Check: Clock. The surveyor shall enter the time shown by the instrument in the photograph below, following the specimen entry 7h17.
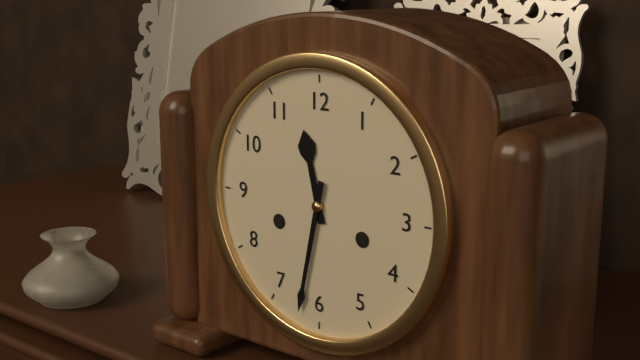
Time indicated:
11h32
